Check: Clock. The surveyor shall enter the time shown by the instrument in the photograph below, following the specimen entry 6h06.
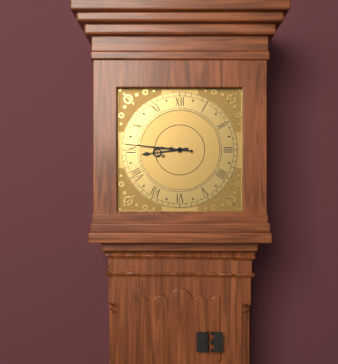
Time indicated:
8h46
